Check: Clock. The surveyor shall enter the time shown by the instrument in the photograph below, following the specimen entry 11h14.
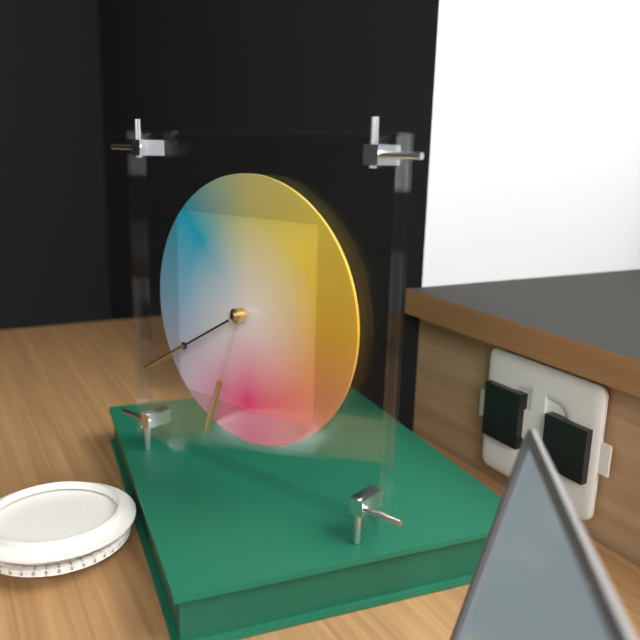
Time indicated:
6h40
